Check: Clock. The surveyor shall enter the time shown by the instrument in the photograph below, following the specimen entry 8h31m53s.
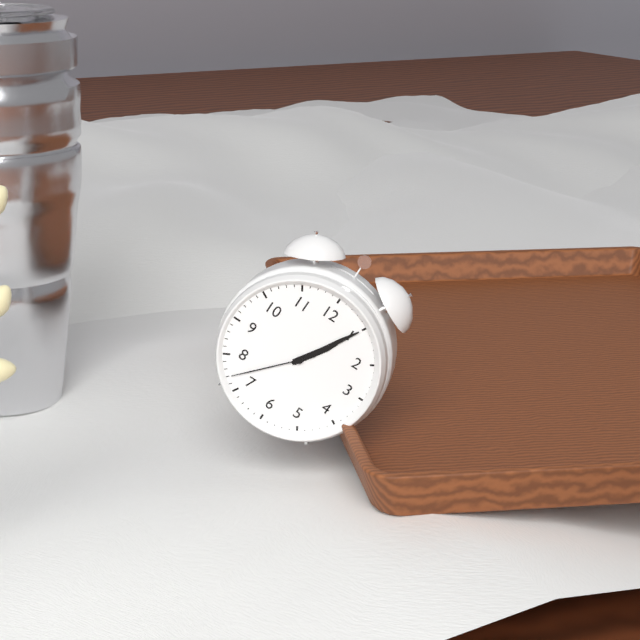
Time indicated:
1h05m37s
